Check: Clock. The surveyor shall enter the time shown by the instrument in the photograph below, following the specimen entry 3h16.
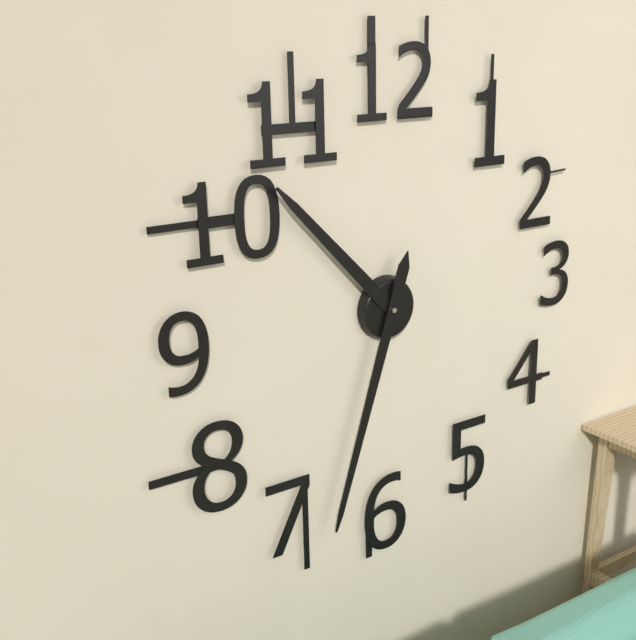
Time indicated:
10h33
